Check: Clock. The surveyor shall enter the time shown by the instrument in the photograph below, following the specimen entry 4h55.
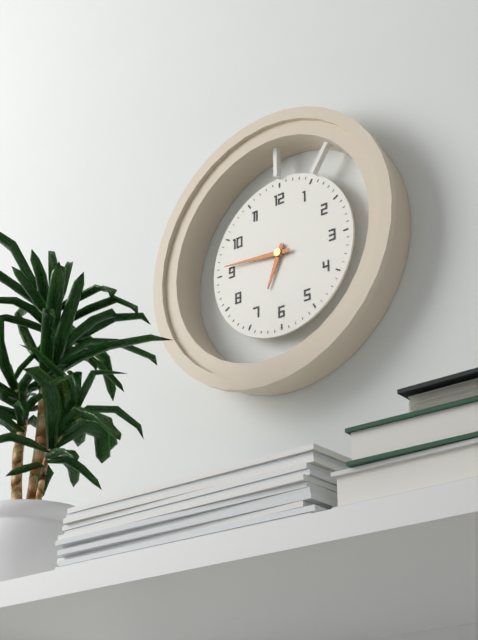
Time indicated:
6h46
